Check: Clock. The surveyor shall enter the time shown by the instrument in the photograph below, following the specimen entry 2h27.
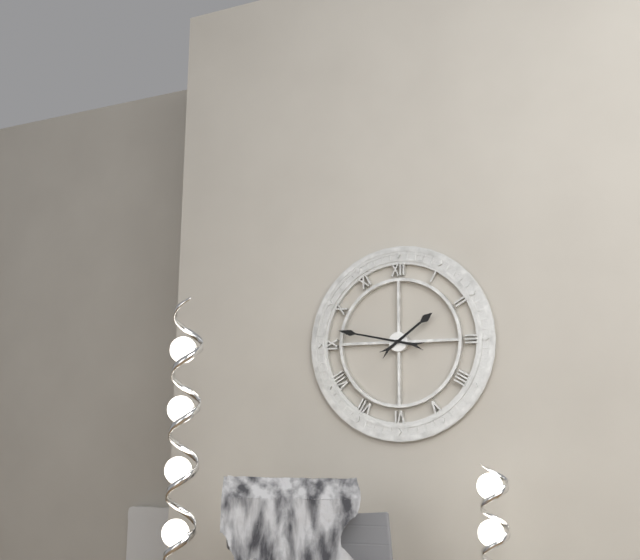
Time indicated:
1h47
